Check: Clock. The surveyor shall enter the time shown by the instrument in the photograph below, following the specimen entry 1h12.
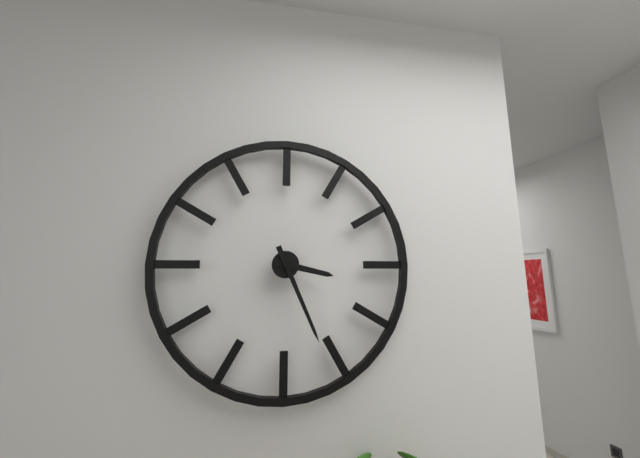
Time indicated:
3h26
